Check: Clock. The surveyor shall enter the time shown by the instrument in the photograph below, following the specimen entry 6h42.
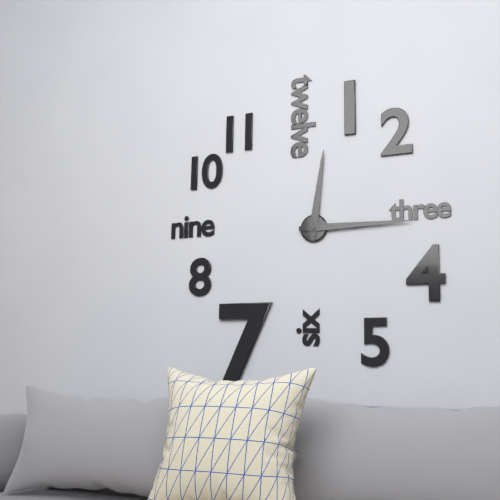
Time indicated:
12h15
